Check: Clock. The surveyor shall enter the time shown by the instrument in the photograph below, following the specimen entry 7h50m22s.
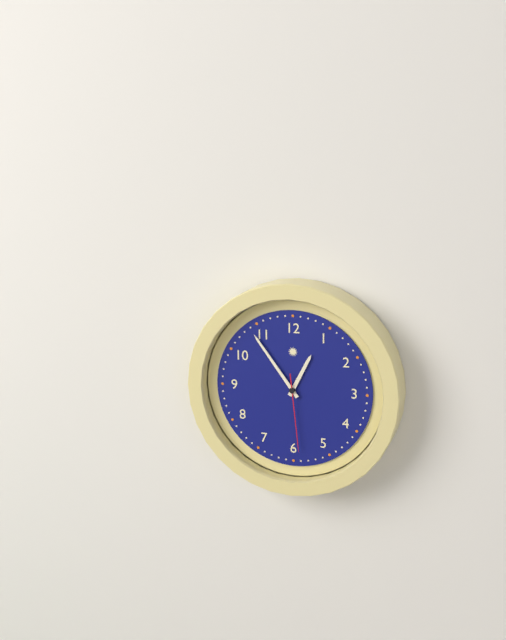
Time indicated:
12h54m29s
